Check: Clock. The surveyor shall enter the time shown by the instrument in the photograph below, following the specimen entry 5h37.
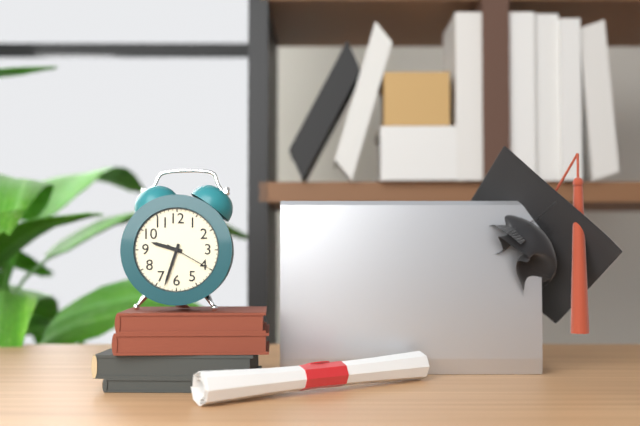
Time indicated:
9h33
